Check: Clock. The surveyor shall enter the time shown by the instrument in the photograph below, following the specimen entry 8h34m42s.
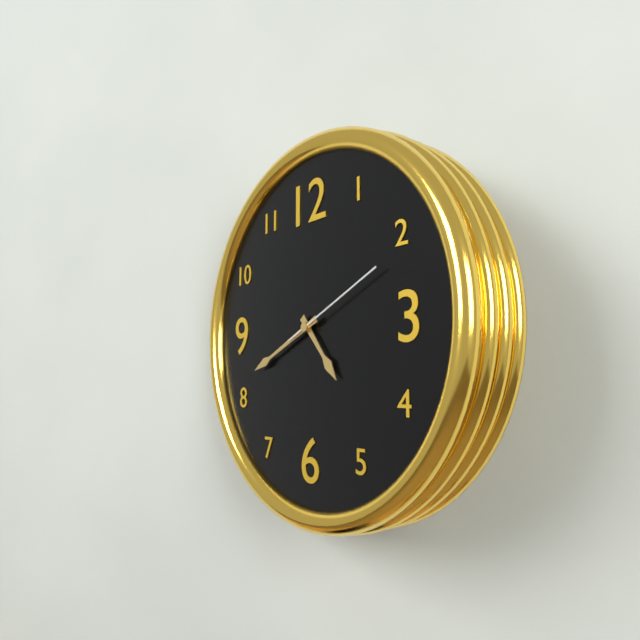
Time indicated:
4h41m11s
